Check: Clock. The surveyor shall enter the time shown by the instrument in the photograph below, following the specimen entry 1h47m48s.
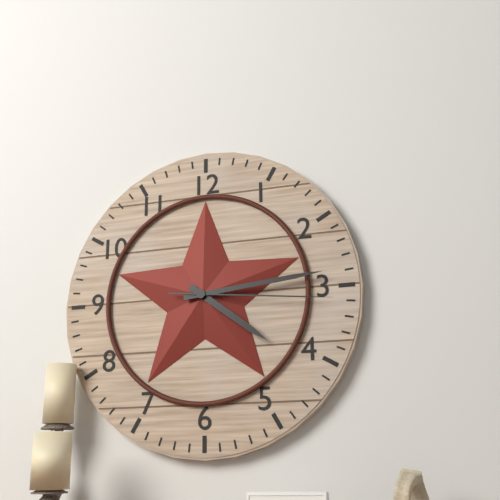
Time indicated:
4h14m16s
